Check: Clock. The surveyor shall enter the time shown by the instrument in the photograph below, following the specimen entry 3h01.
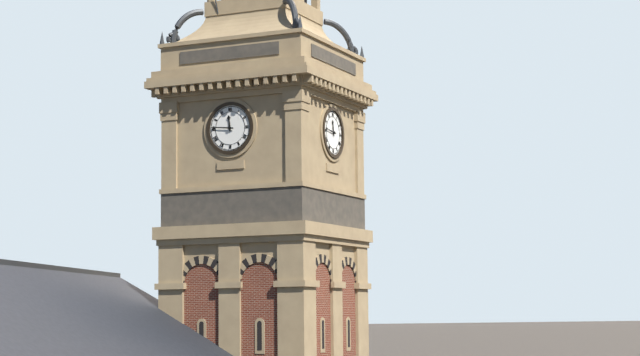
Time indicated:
11h46
